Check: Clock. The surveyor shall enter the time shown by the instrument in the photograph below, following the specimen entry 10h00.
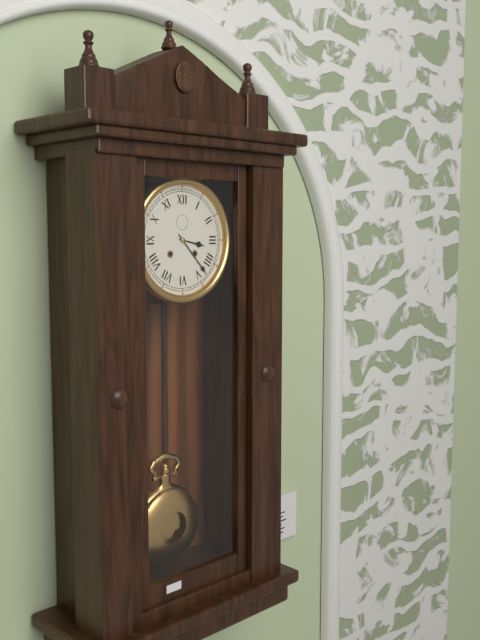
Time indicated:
3h23
